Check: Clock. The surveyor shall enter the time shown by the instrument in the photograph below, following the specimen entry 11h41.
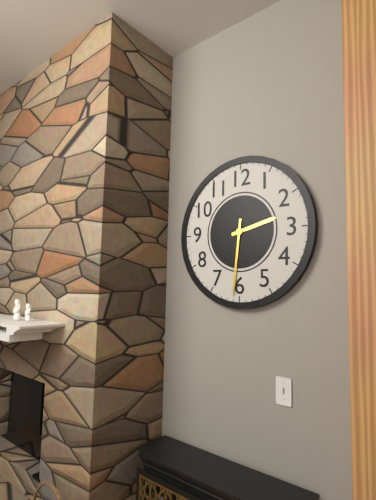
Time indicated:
2h31
